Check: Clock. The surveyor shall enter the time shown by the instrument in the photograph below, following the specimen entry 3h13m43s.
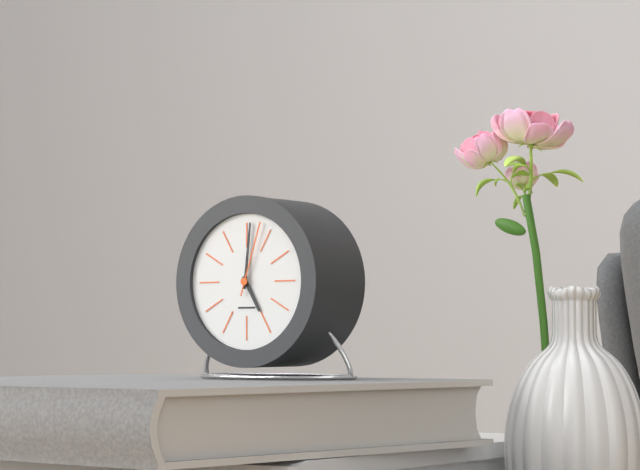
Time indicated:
5h01m03s
